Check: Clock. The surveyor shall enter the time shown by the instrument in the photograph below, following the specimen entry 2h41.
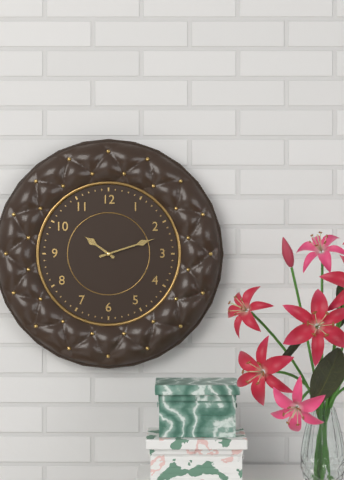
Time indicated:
10h12
